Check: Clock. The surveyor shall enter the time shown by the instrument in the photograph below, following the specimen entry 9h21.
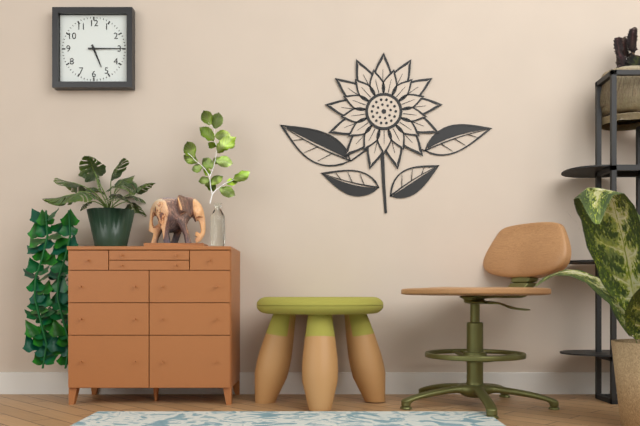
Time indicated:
5h15
